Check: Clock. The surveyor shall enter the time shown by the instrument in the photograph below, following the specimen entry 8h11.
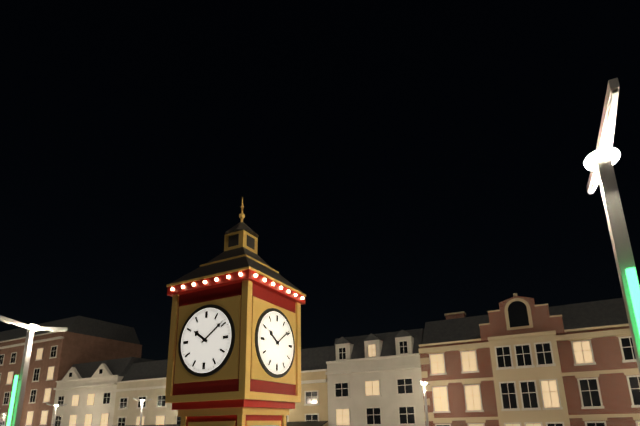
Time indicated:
10h09
